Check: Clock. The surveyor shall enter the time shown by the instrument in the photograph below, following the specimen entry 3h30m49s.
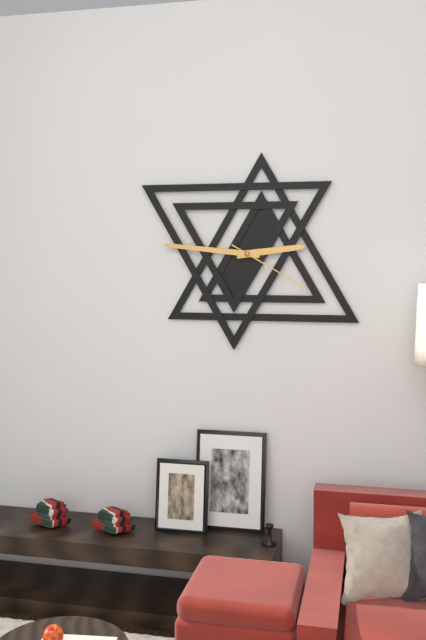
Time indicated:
2h46m20s
